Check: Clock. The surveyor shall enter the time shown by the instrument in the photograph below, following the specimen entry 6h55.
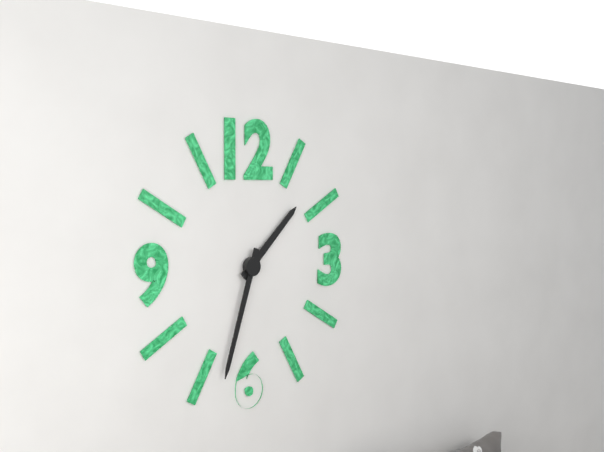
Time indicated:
1h33
